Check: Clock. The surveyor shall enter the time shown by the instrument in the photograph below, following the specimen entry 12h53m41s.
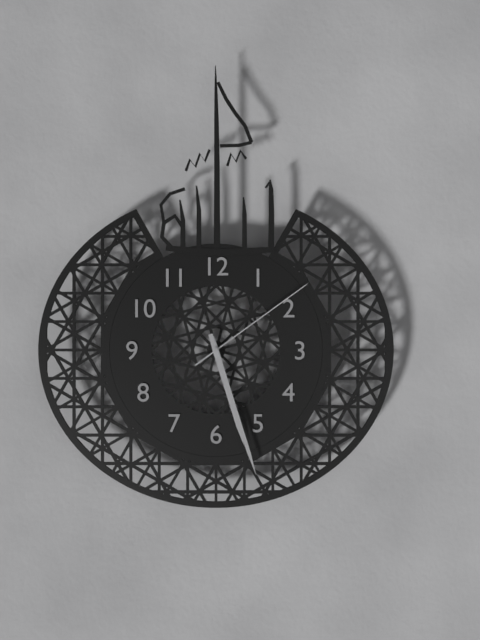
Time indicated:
5h27m09s
